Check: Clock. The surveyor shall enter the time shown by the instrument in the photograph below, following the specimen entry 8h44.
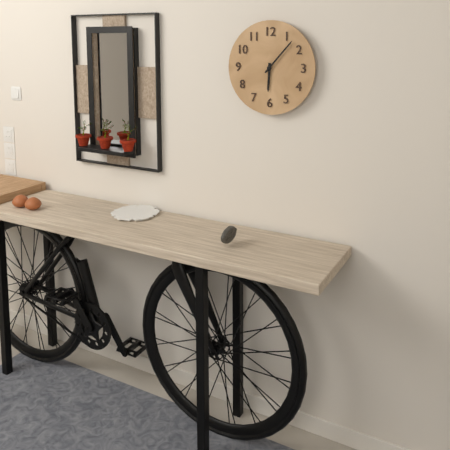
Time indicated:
6h07
